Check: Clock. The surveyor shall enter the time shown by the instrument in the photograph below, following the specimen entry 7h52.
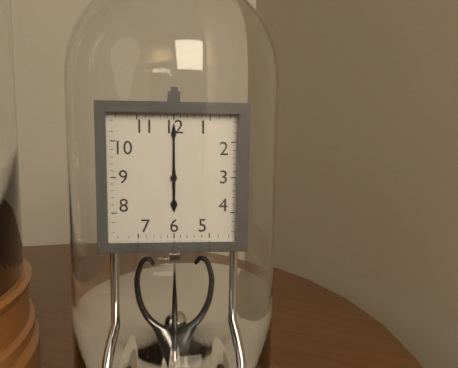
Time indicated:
6h00
